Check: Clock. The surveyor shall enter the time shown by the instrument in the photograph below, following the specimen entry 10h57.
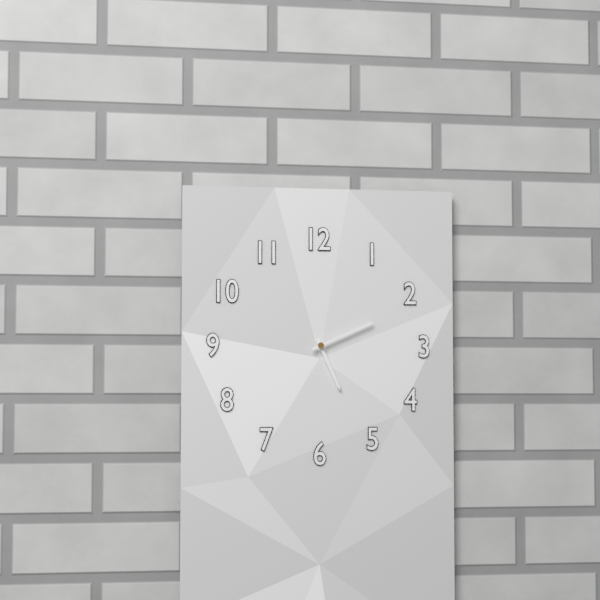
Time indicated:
5h11
